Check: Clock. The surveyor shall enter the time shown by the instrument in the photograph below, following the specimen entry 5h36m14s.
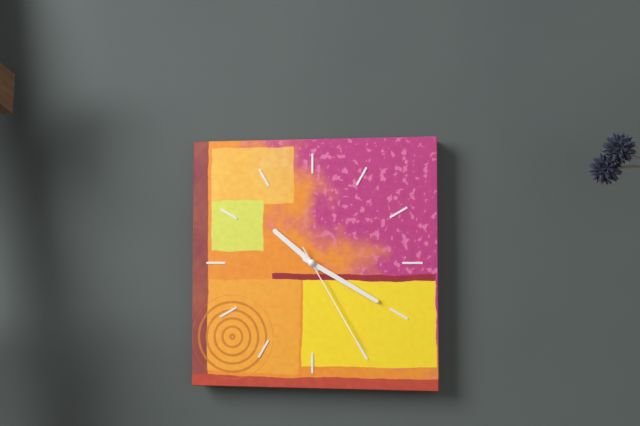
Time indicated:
10h20m25s
